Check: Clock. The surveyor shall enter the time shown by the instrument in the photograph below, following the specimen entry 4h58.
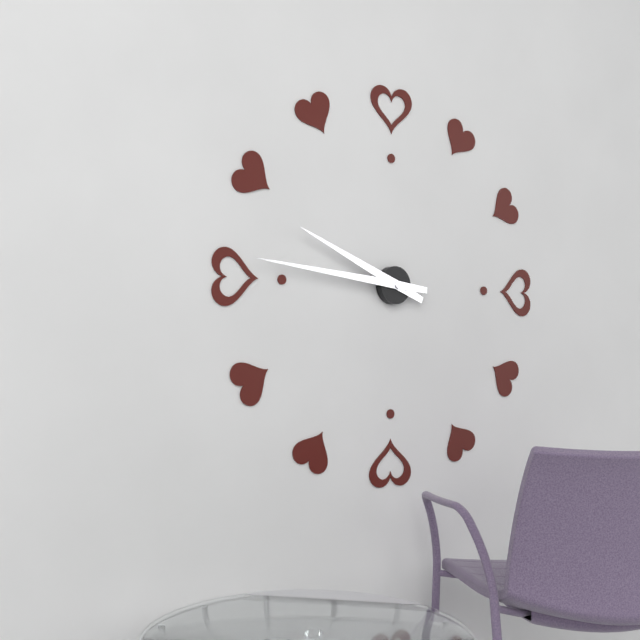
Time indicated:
9h46
